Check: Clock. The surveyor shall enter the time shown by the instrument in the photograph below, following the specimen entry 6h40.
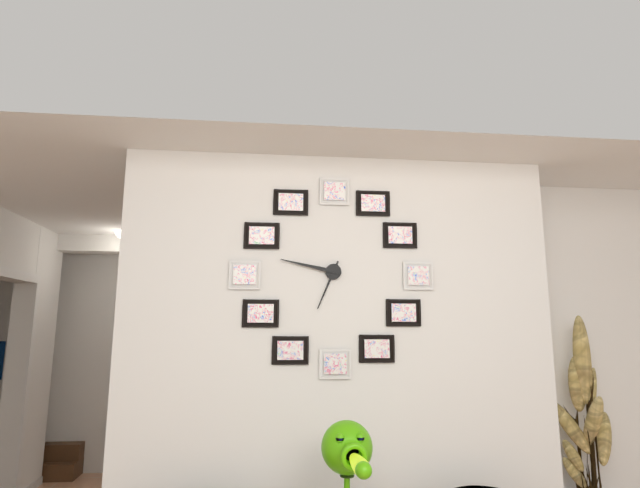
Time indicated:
6h47
